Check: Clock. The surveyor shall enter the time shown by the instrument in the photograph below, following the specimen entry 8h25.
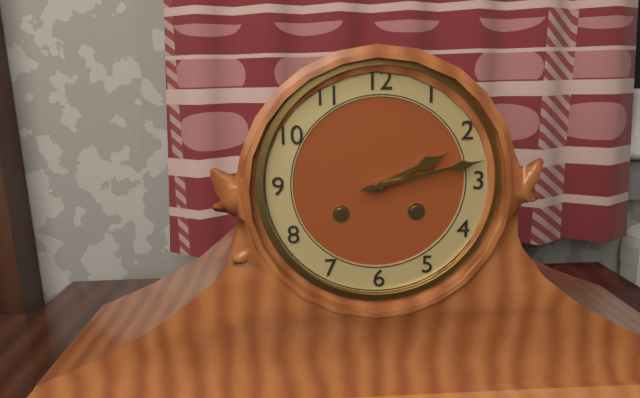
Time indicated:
2h13
